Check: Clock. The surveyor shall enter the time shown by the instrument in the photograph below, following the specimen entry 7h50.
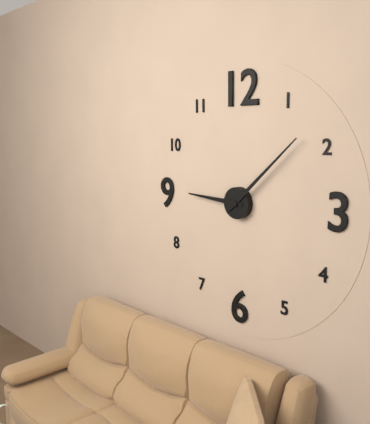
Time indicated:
9h08
